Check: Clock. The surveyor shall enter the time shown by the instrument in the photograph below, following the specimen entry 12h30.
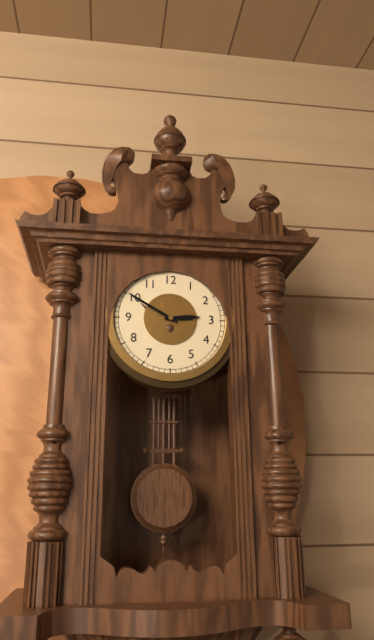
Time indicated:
2h50
